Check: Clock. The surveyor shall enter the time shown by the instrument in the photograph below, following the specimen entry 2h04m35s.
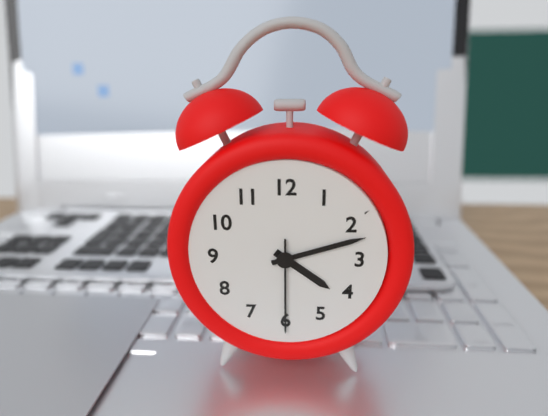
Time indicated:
4h12m30s
